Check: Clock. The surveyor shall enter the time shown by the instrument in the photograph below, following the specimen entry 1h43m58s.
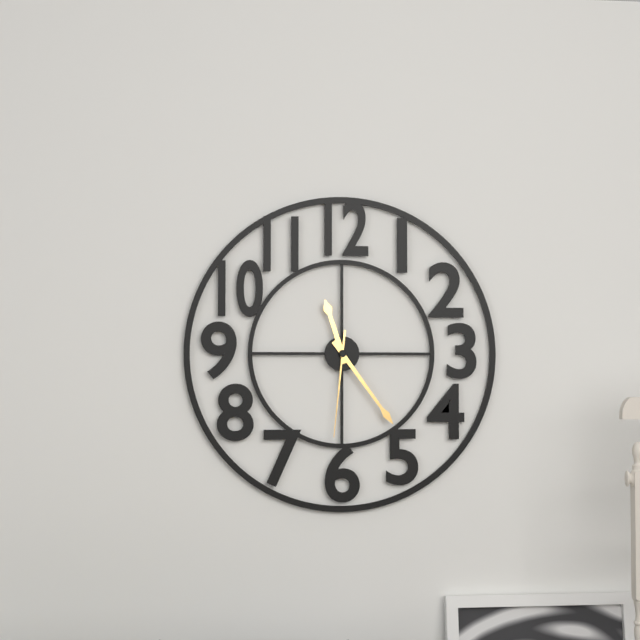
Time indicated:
11h24m31s
